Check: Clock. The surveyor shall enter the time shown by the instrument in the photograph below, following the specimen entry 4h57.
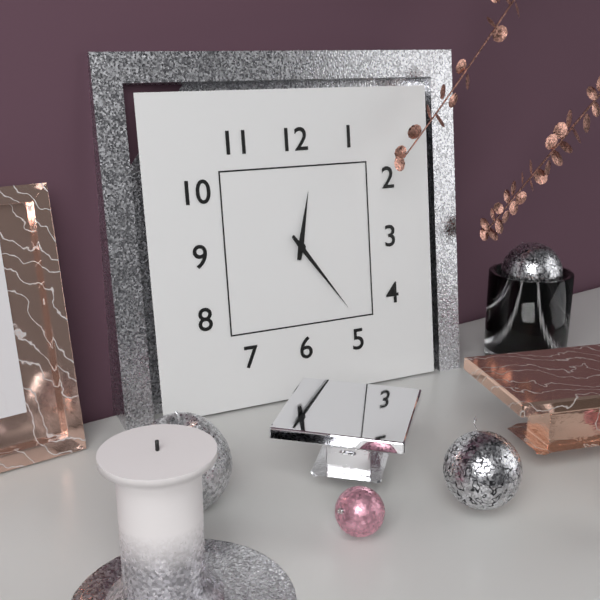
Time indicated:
12h24
